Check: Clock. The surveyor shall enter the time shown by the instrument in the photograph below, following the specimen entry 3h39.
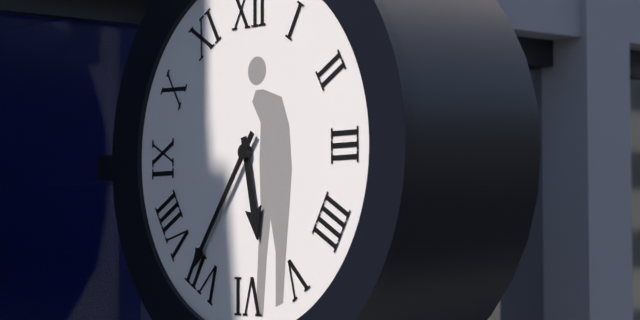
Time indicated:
5h36
